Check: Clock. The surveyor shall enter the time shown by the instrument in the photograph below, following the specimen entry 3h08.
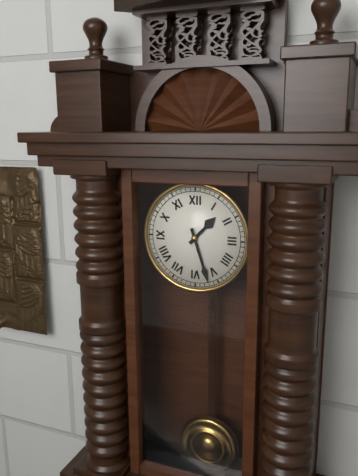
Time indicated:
1h27
